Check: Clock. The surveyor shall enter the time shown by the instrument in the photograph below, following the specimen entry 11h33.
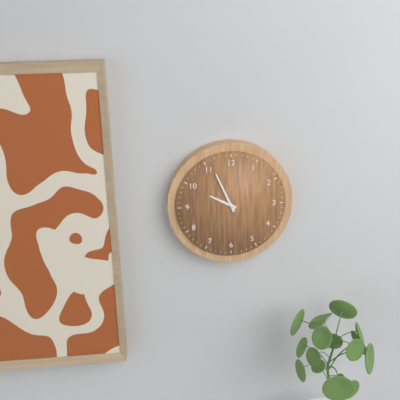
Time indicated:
9h56
